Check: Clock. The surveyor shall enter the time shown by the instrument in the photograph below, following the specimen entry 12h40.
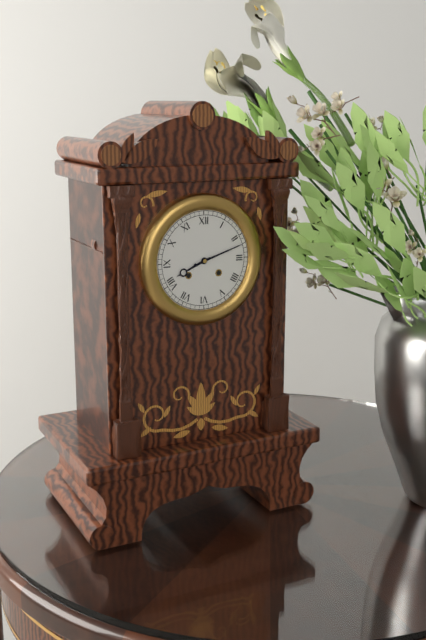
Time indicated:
8h12
